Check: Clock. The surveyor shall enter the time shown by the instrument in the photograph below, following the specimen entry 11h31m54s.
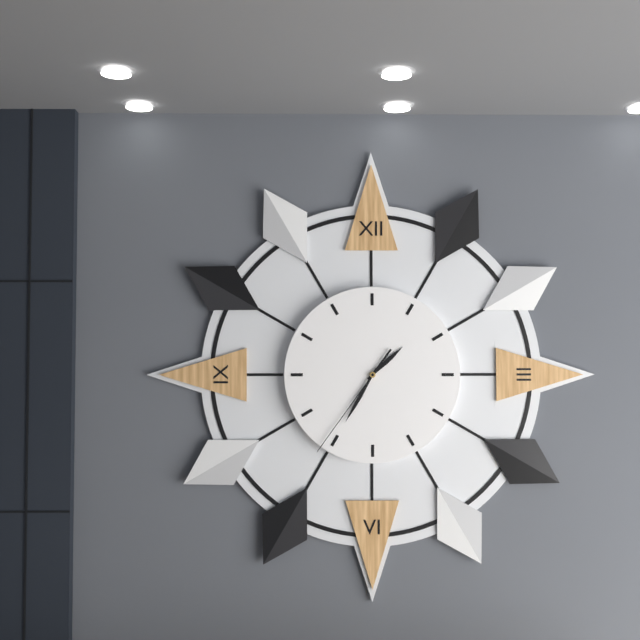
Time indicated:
1h35m36s
